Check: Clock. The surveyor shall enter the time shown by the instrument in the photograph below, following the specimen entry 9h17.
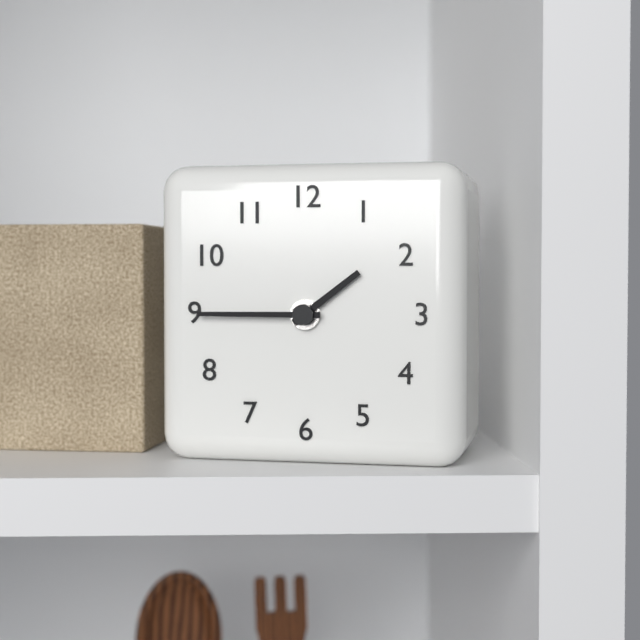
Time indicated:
1h45
